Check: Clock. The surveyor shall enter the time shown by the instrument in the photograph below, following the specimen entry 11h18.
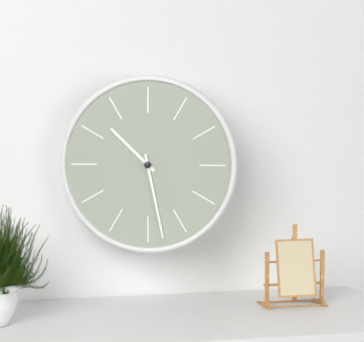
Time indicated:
10h28
